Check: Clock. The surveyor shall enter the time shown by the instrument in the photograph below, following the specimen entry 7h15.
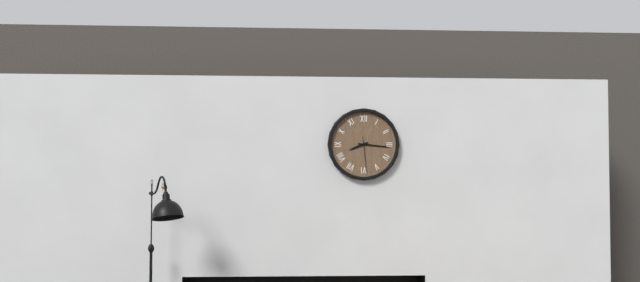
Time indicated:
8h16
